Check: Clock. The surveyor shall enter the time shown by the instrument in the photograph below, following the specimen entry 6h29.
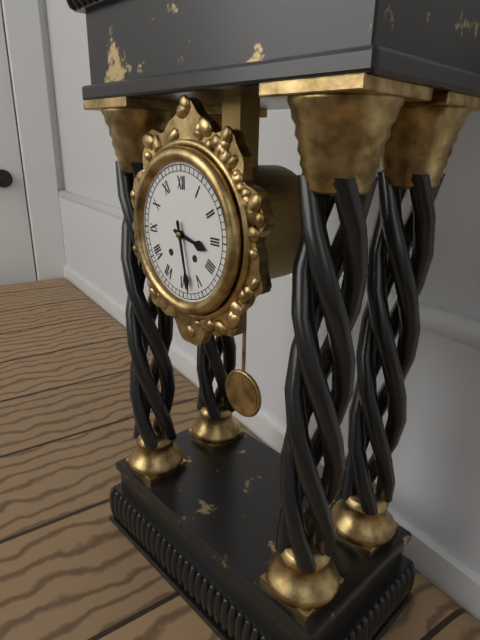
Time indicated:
3h28
